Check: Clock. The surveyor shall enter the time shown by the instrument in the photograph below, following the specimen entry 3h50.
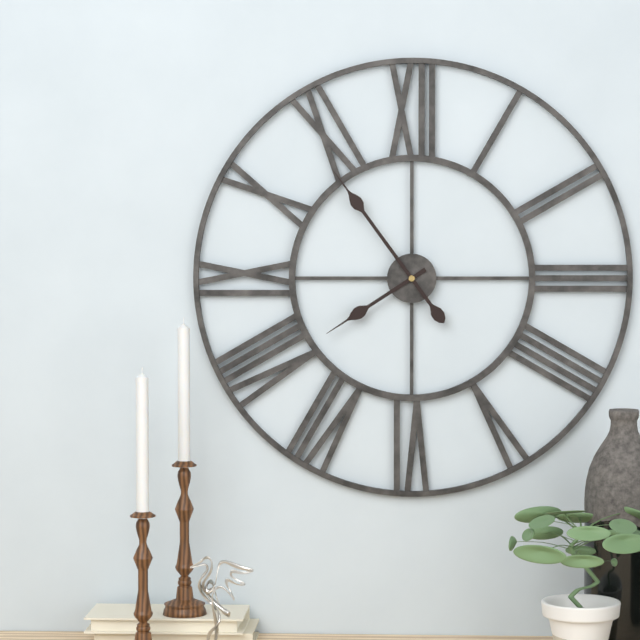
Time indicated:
7h54
